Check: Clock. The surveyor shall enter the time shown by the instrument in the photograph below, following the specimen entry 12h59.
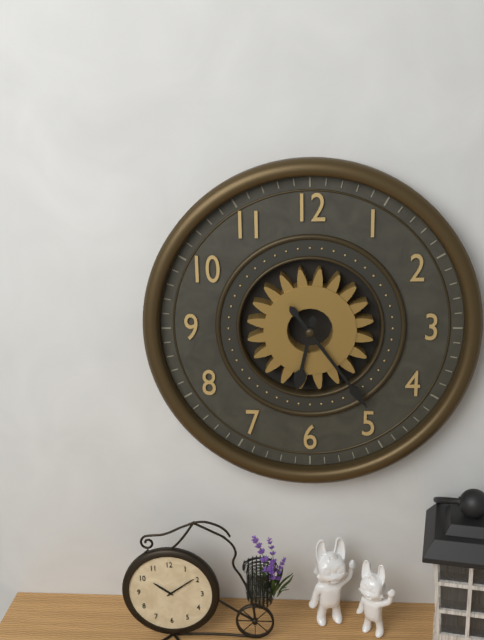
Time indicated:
6h24
